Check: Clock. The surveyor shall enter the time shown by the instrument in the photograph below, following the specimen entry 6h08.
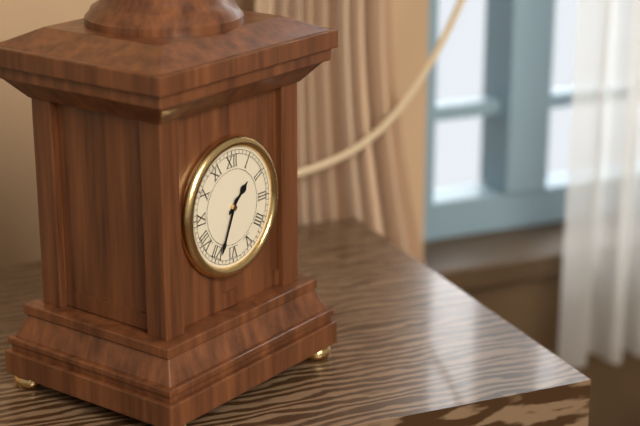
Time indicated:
1h34
